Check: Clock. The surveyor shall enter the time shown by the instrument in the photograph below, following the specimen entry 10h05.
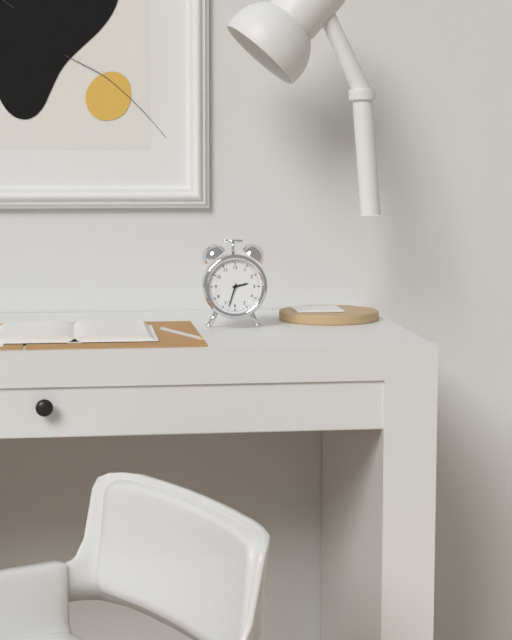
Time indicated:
2h33
